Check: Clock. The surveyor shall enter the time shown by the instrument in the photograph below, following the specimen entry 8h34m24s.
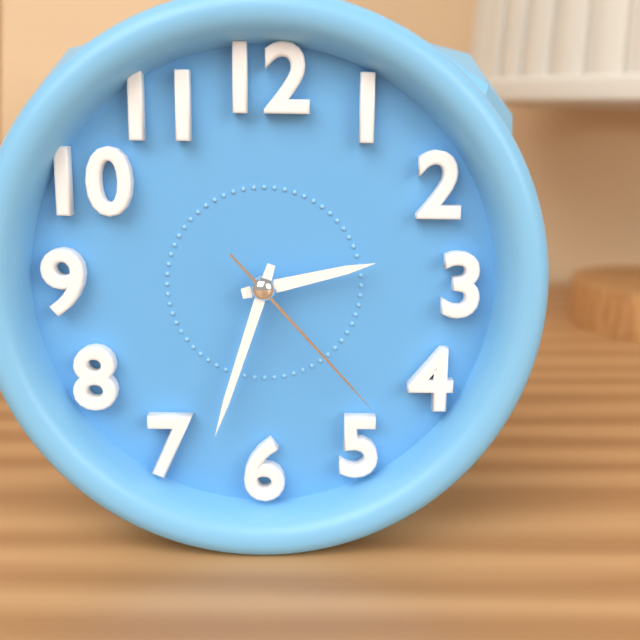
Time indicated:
2h33m23s
